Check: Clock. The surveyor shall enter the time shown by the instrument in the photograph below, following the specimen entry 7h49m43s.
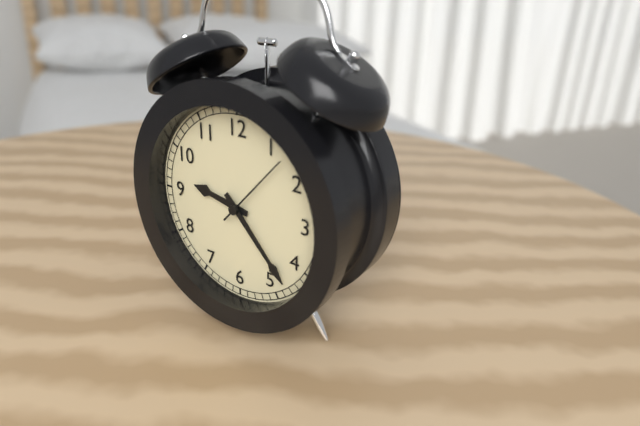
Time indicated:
9h23m07s
